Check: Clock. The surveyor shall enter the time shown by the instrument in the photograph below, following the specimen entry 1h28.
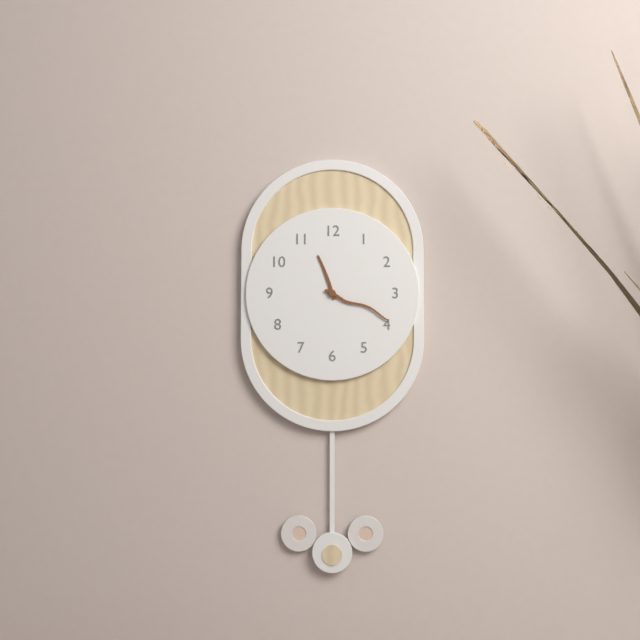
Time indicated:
11h19
